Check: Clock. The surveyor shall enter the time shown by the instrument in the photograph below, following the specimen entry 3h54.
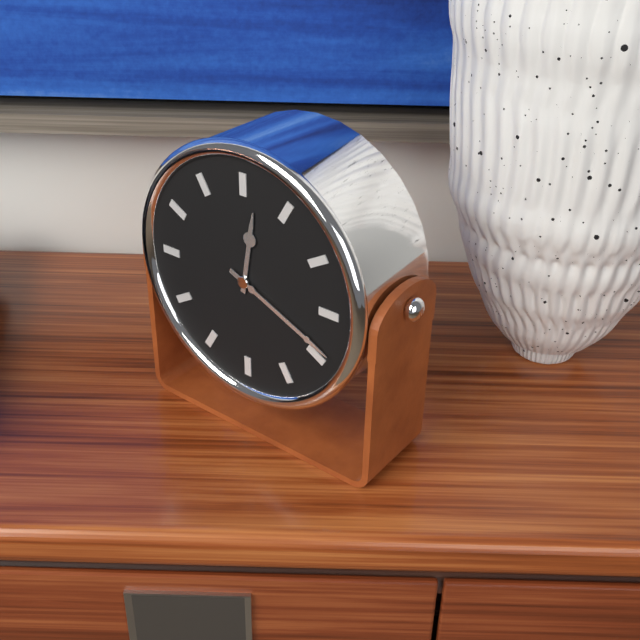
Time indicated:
12h19
